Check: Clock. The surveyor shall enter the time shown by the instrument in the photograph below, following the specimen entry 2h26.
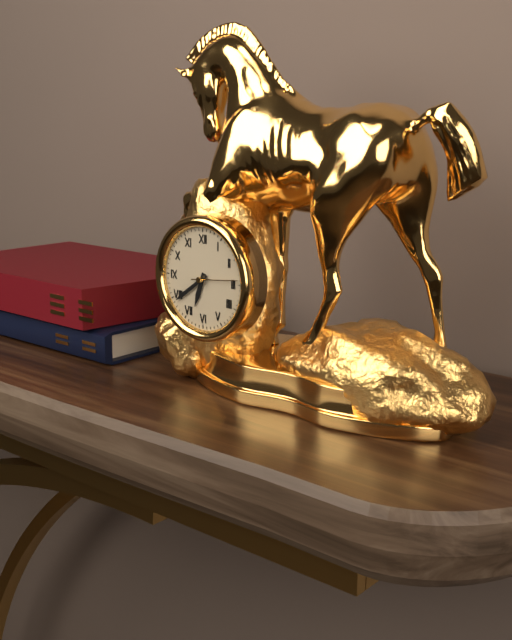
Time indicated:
6h39
